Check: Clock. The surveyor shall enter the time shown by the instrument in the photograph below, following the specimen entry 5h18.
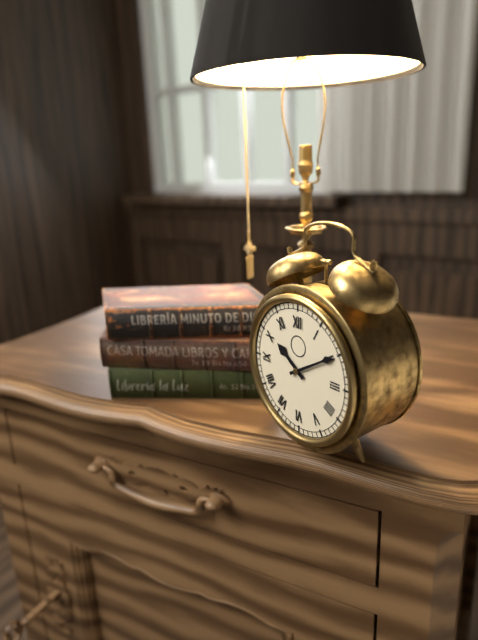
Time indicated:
10h10
